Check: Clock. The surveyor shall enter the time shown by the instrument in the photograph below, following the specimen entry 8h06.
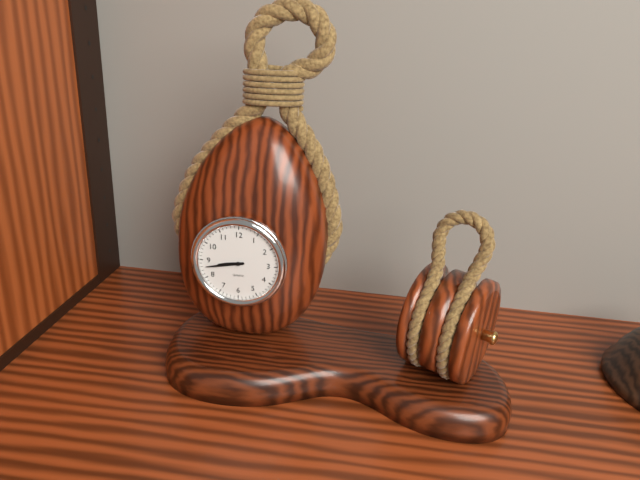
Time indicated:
8h43
